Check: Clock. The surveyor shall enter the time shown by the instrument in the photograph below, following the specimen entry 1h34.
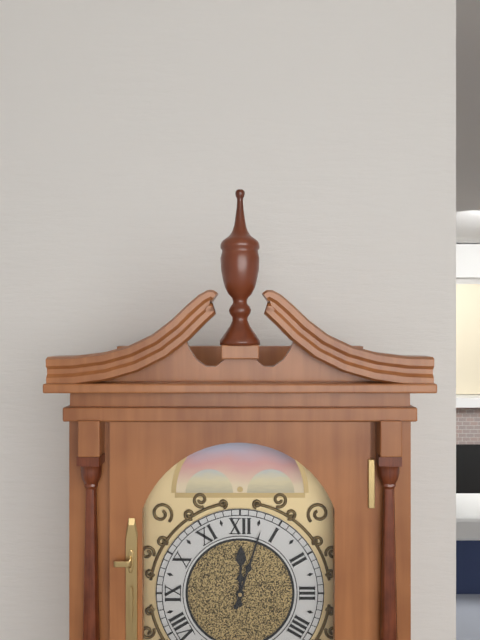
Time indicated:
12h03
